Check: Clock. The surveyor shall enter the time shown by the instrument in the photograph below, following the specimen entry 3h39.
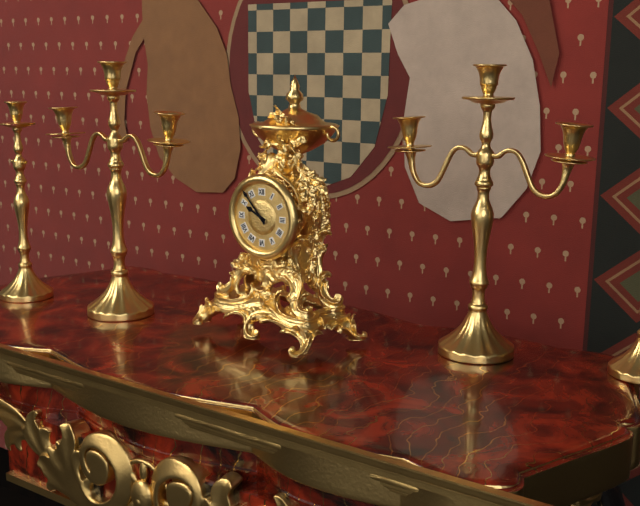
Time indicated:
9h53
